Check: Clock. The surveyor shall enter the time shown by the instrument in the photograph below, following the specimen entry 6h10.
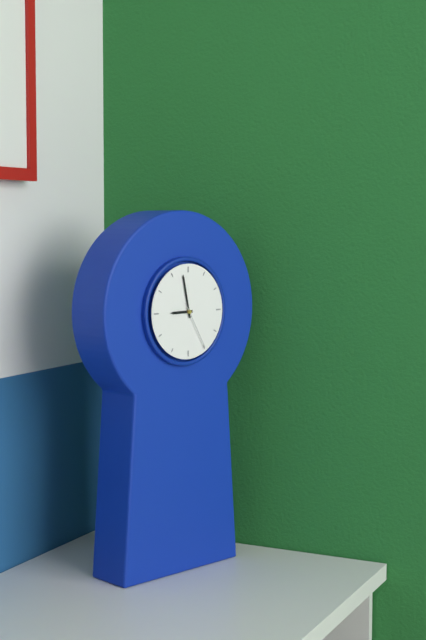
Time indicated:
8h58
